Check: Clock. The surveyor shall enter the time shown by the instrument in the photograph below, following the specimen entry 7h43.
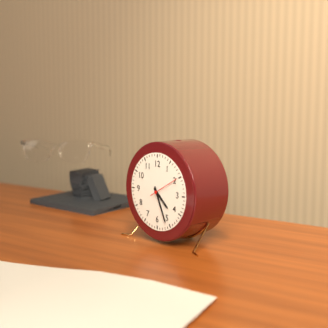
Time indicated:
4h26
